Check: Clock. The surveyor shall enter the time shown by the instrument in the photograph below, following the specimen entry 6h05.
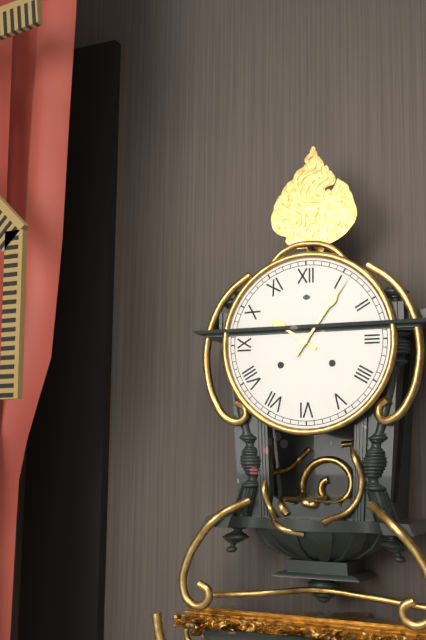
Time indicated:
10h06
